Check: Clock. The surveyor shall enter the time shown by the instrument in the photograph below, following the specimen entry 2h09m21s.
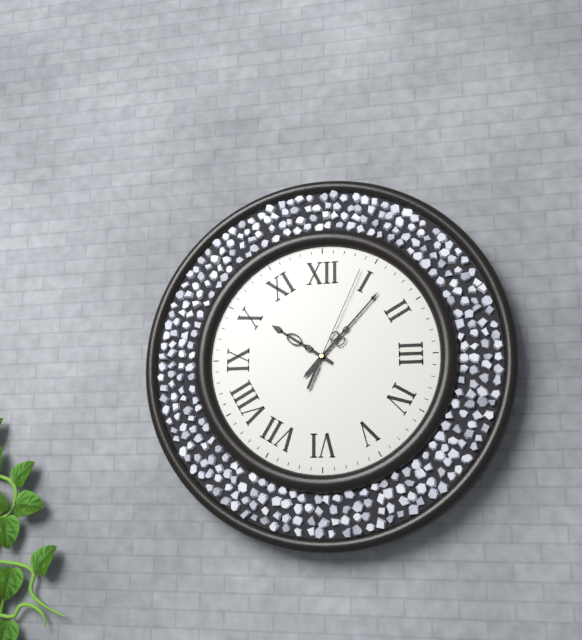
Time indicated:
10h07m04s
